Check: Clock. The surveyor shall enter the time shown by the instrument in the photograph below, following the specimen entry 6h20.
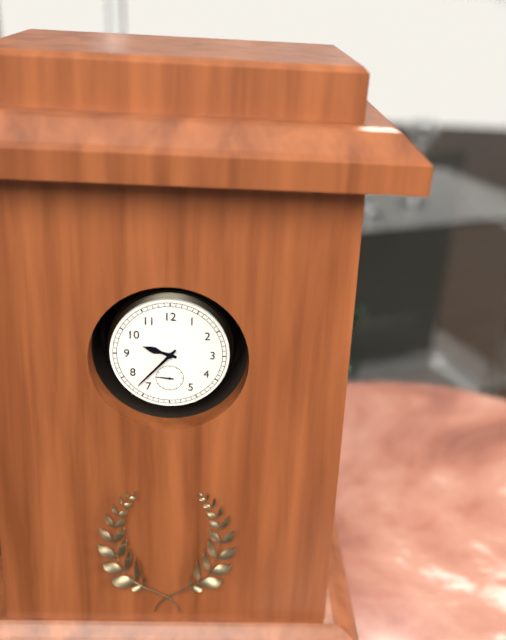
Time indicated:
9h37
